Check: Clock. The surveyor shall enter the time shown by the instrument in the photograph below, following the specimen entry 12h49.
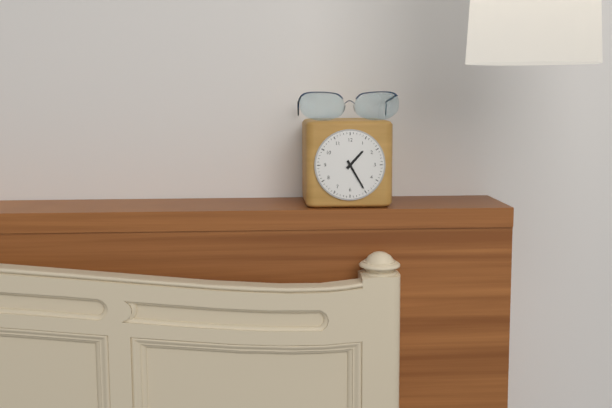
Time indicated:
1h25
